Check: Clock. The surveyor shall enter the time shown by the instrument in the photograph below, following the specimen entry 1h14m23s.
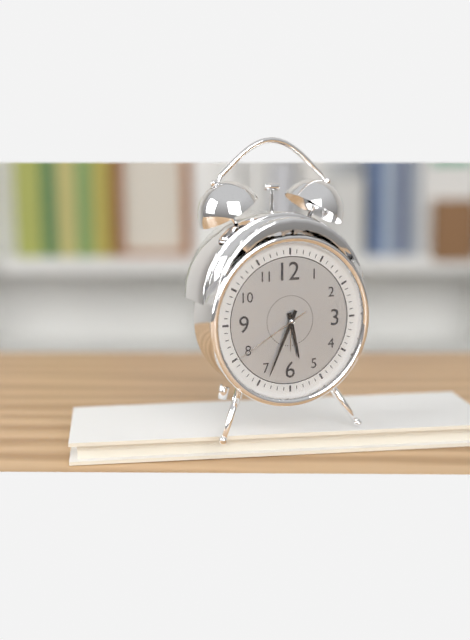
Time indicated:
5h34m40s
